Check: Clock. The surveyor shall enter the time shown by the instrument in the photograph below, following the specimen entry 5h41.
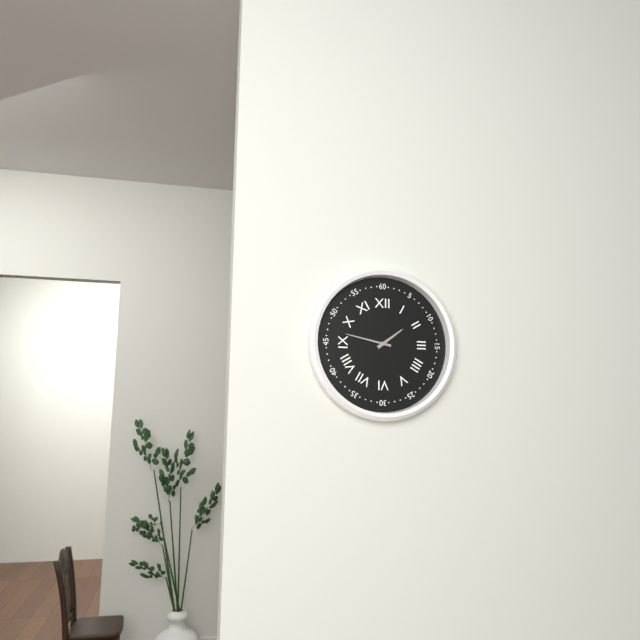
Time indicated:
1h47
